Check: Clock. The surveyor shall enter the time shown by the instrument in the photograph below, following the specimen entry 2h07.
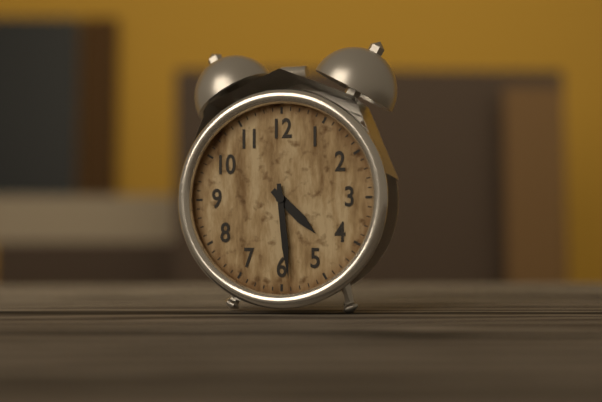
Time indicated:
4h29
